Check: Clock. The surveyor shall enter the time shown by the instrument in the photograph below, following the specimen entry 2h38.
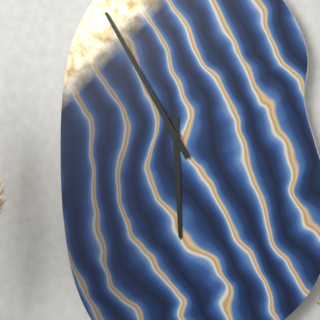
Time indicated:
5h55
